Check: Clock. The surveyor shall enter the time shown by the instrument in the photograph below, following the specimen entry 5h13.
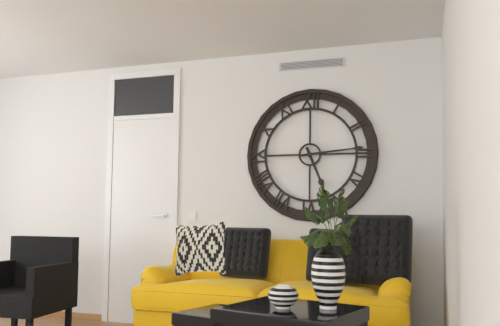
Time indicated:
5h14
